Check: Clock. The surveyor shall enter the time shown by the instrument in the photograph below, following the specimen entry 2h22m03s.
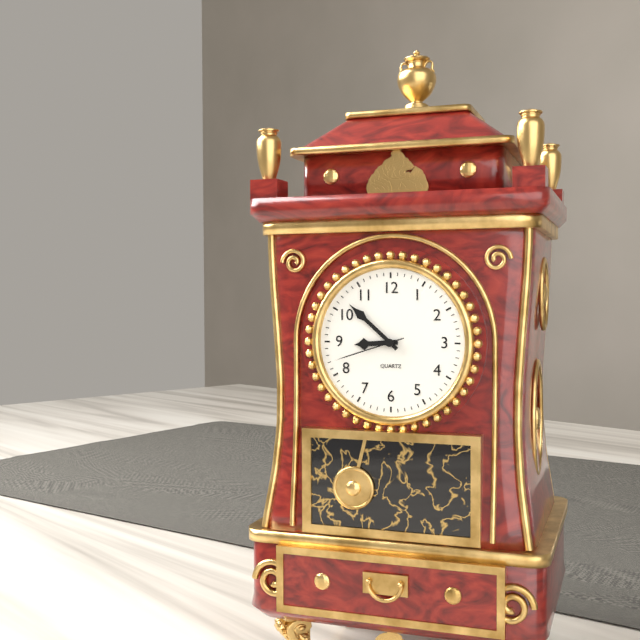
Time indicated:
8h52m42s
